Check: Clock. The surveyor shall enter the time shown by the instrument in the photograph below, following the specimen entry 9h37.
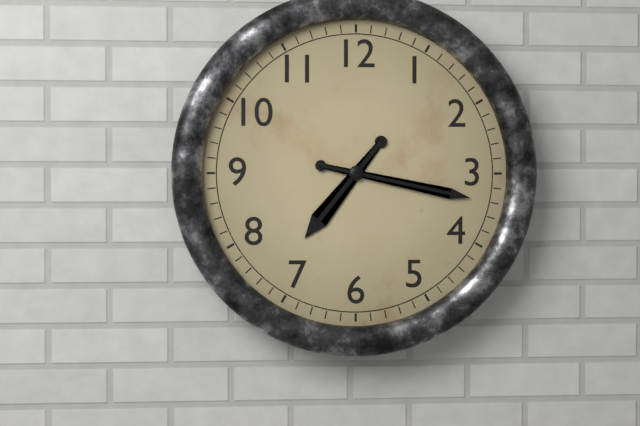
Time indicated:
7h17
